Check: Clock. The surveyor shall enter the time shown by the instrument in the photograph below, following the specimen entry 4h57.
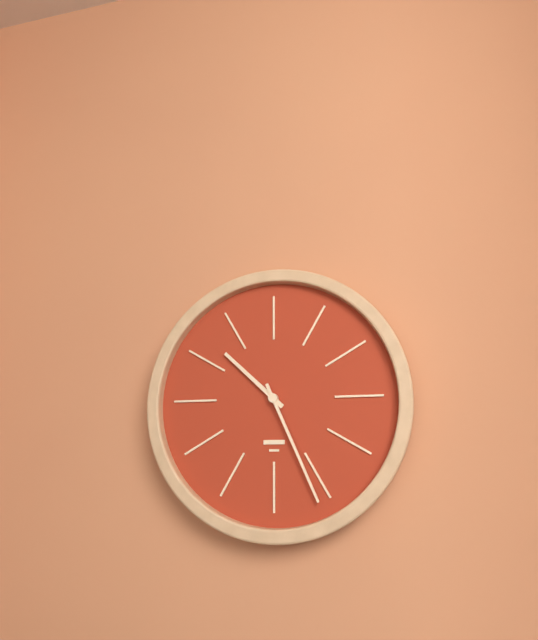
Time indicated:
10h26
